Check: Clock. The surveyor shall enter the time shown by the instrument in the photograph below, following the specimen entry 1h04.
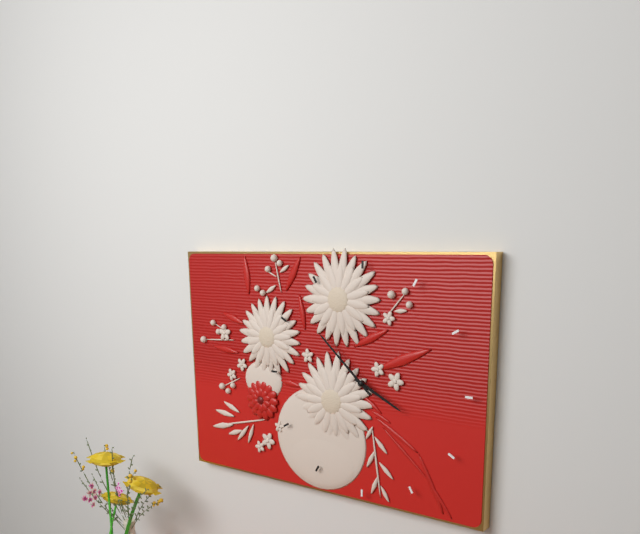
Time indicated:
3h52
